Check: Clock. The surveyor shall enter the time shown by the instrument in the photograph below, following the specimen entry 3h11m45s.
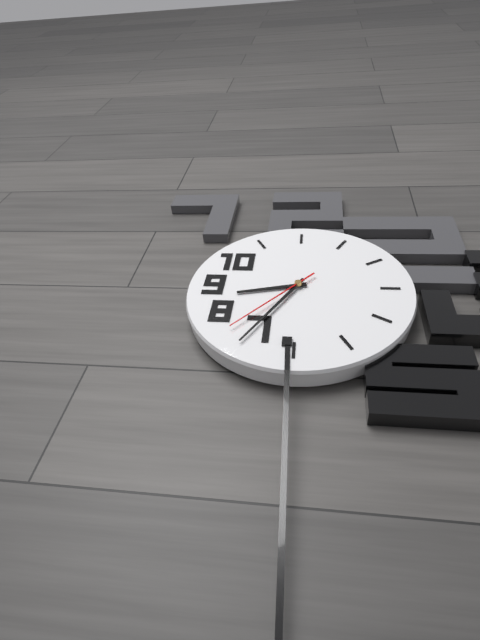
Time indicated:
8h35m37s
